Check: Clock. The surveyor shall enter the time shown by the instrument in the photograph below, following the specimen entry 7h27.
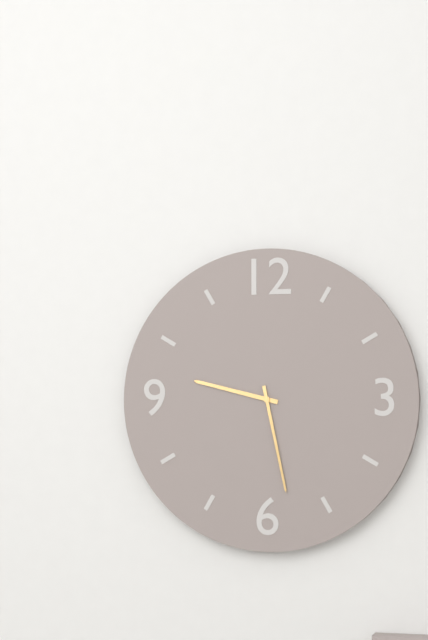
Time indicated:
9h28
